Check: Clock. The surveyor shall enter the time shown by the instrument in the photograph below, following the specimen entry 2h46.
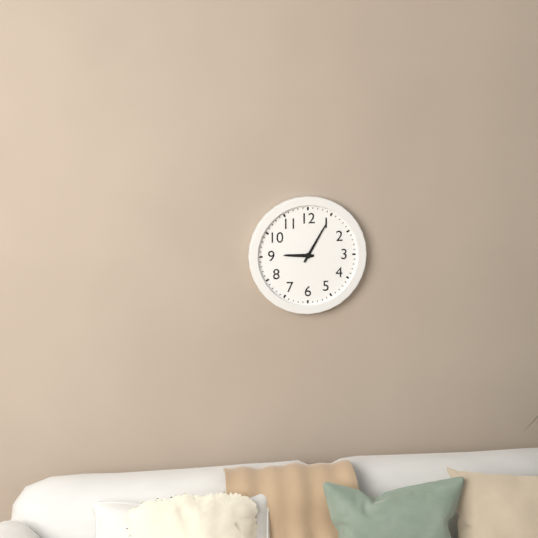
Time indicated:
9h05
